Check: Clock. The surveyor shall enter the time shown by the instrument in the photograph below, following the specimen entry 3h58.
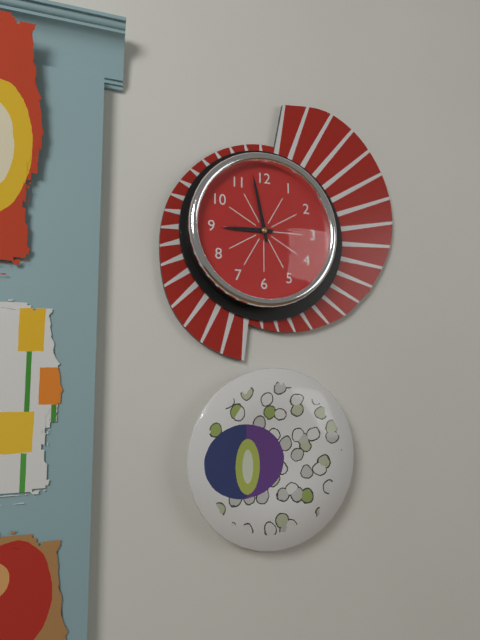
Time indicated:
8h58
